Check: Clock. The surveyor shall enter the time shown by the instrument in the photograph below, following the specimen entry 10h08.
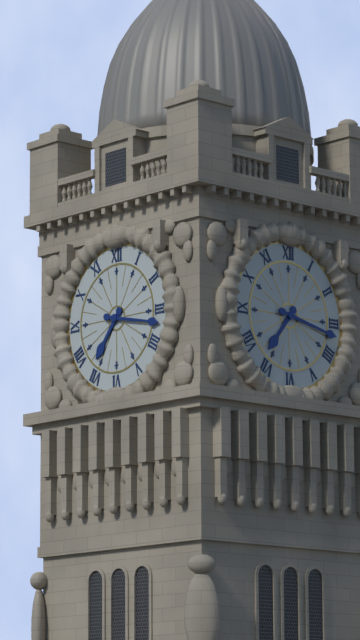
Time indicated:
7h17
